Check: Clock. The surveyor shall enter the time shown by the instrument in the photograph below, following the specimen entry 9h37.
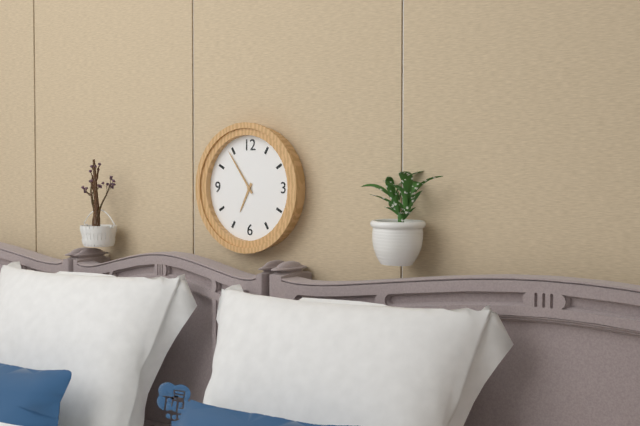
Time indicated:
6h54
